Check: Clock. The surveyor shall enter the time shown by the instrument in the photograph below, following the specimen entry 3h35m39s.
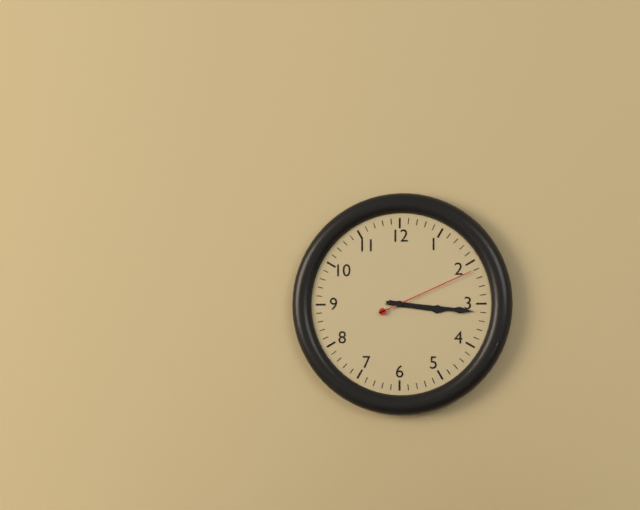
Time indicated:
3h16m11s
